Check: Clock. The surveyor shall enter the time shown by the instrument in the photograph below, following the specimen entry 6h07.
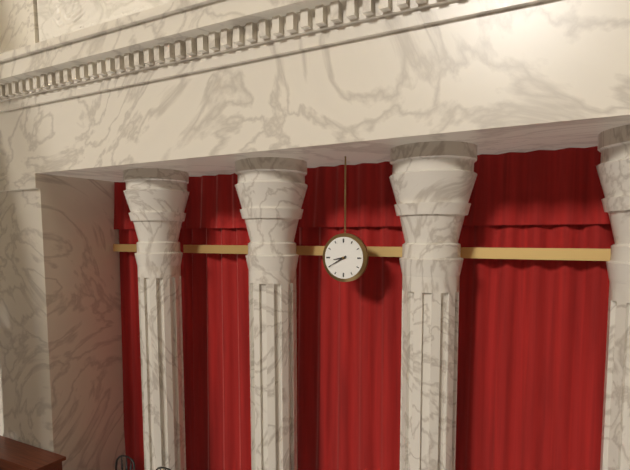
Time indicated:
8h40
